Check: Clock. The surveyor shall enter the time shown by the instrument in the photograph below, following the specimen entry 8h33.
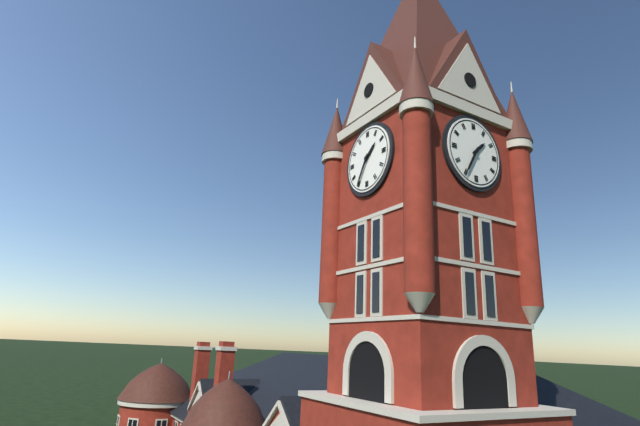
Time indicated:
1h35
